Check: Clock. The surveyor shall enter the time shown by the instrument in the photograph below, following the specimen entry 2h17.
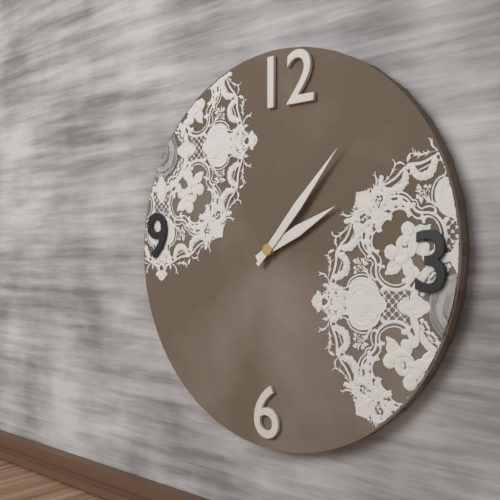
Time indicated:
2h07
